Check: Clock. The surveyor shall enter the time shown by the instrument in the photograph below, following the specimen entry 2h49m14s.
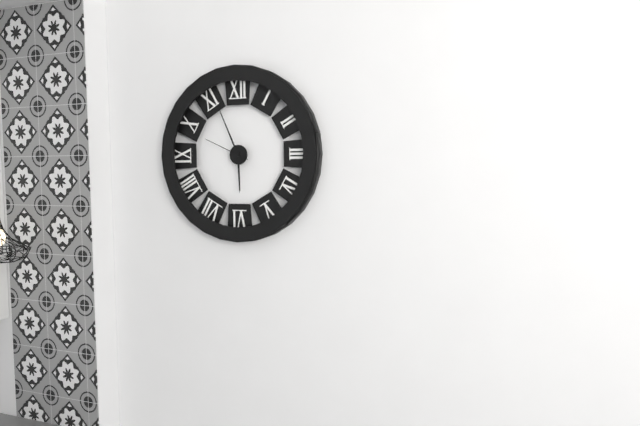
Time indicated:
5h56m49s
